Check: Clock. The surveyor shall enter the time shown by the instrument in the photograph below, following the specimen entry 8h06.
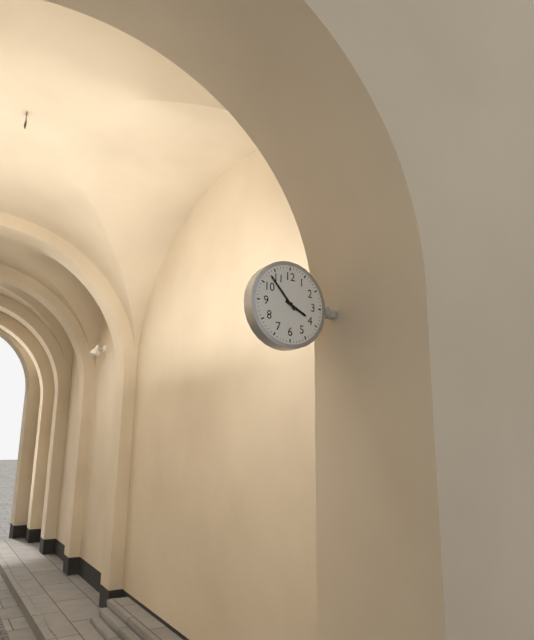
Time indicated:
3h53
